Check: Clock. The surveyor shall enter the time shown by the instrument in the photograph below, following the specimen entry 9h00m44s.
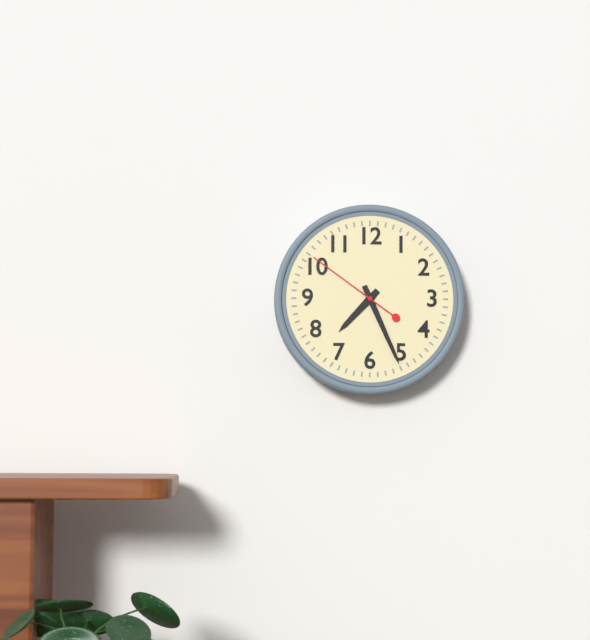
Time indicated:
7h26m51s
